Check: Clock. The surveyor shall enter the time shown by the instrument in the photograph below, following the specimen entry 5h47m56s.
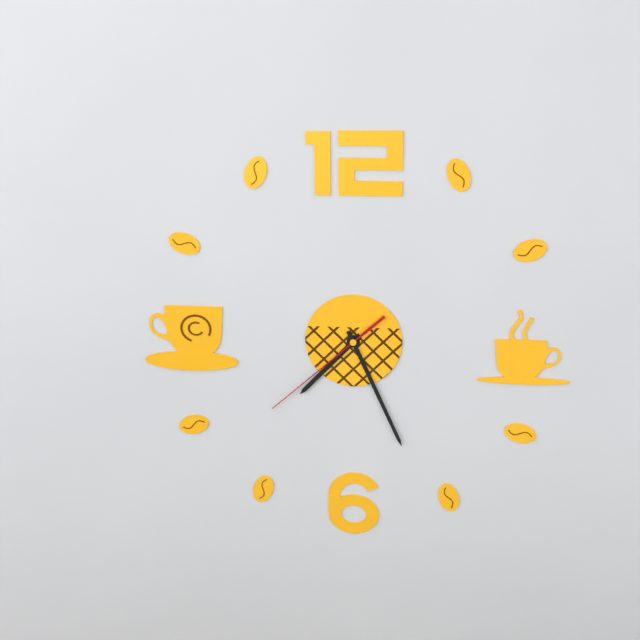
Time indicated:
7h26m38s
